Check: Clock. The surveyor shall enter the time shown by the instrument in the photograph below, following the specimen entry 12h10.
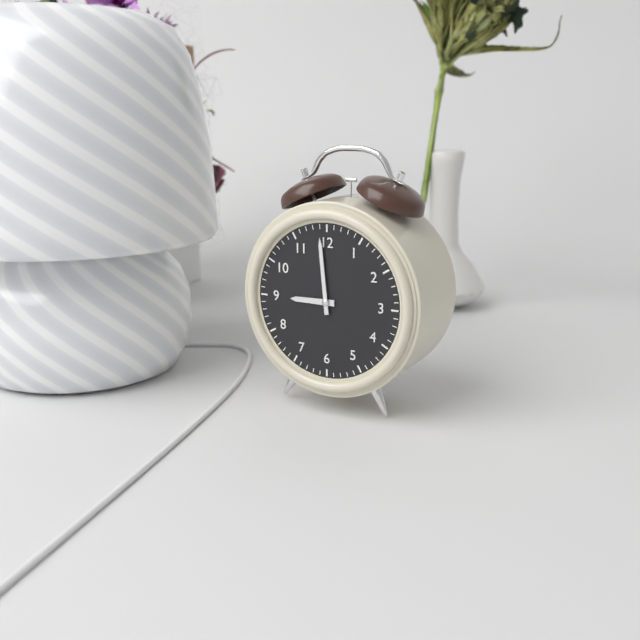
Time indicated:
8h59
